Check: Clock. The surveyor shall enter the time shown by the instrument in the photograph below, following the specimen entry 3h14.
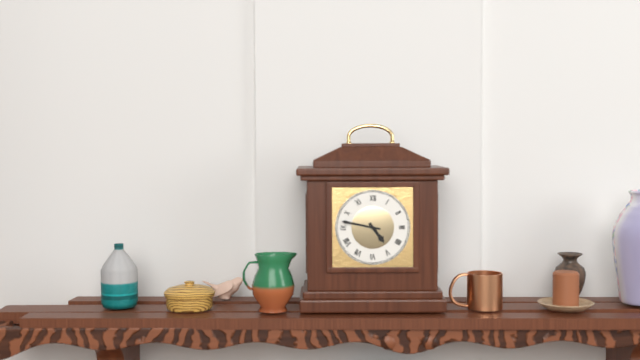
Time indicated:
4h47
